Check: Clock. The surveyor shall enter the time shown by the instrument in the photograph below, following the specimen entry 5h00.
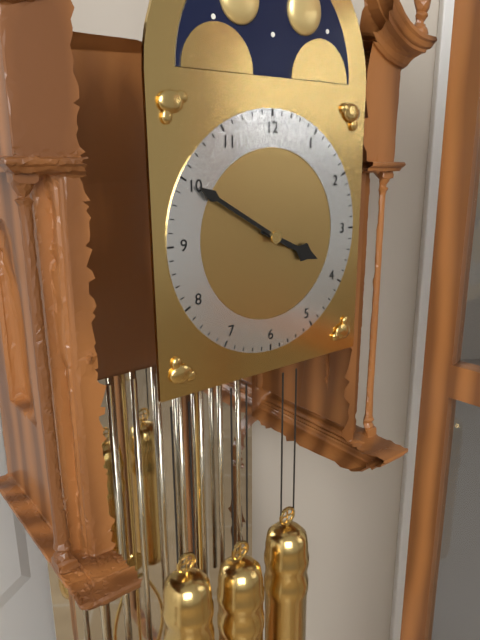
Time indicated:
3h50
